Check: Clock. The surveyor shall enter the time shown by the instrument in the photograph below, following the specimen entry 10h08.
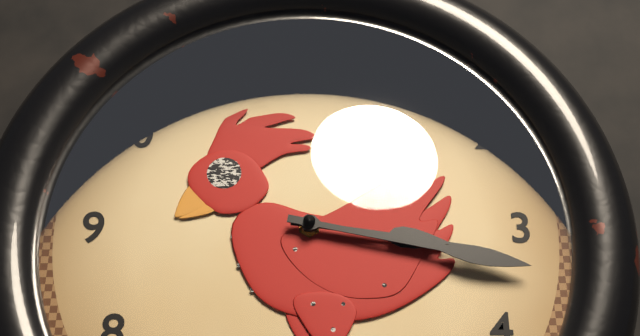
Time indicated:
3h17
